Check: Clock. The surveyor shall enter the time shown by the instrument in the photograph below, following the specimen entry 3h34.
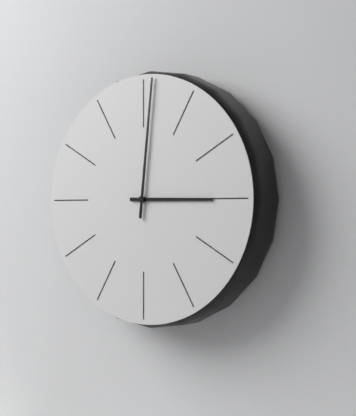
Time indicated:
3h01
